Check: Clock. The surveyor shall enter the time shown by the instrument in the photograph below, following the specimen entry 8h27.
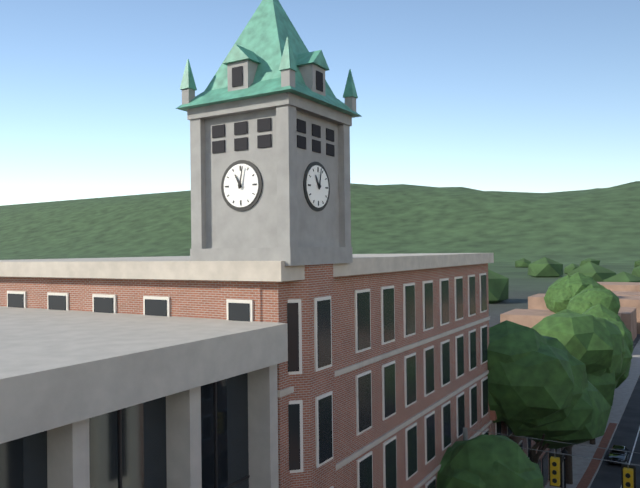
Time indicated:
11h02
